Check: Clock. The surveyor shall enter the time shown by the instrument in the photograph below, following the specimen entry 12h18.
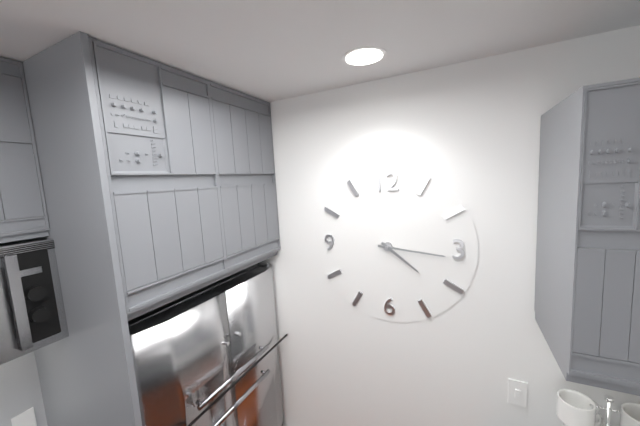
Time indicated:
4h16
